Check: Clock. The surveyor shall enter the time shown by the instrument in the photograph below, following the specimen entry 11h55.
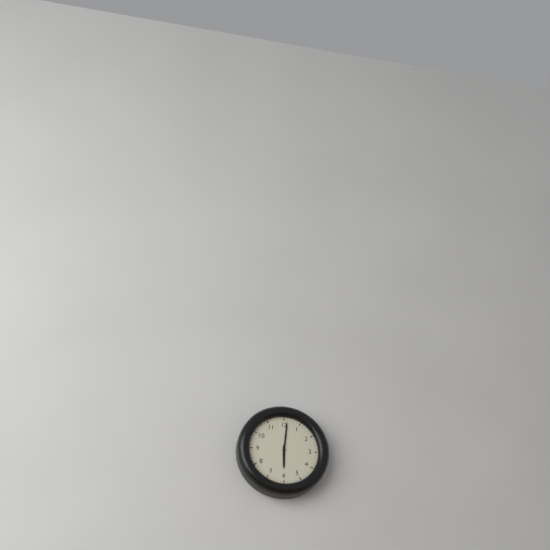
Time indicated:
6h01
